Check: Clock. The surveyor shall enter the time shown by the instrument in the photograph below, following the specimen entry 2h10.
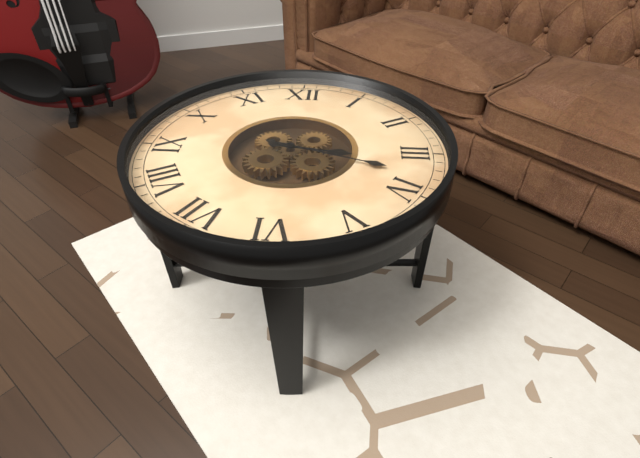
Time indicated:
3h18
